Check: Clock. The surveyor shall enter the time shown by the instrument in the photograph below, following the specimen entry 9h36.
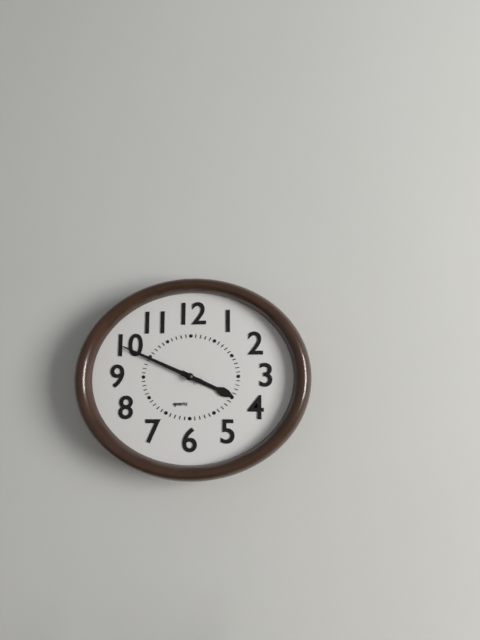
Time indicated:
3h49
